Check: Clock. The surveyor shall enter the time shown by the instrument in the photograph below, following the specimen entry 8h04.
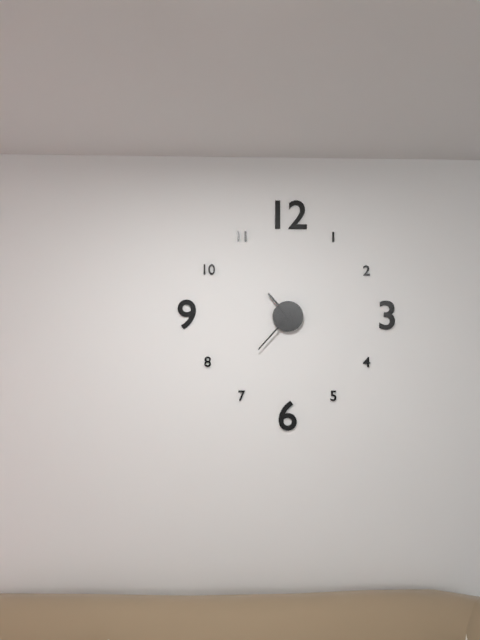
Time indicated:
10h37
